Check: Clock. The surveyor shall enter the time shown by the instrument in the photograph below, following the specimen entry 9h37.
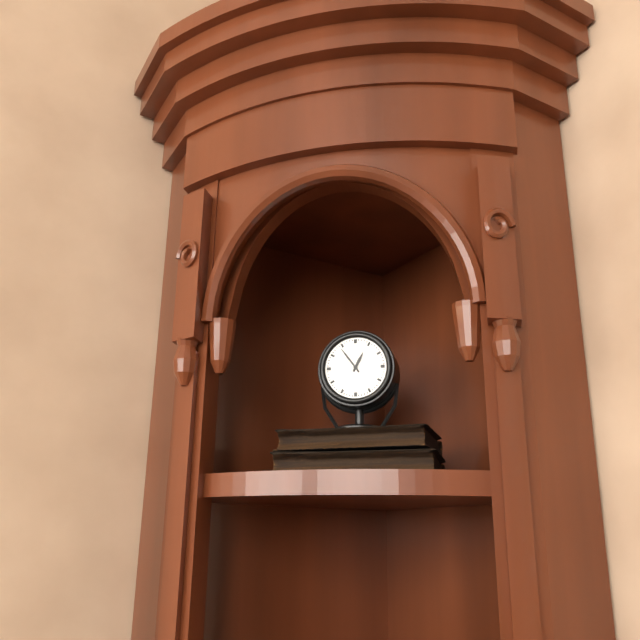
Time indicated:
12h54
